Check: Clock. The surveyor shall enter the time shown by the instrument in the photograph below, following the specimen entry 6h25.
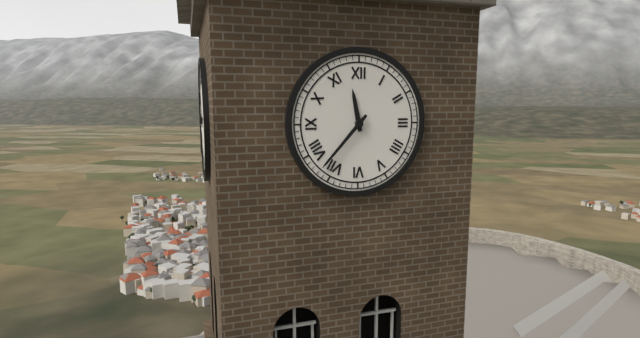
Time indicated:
11h37
